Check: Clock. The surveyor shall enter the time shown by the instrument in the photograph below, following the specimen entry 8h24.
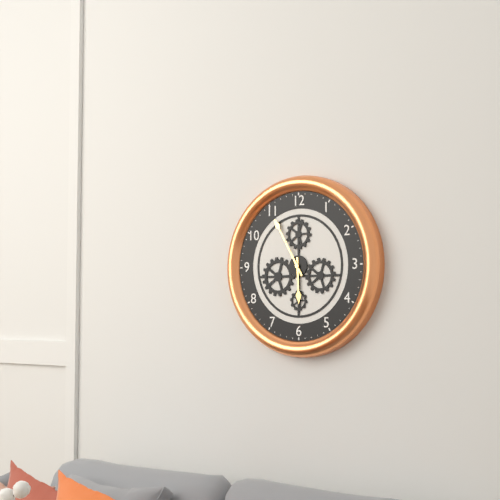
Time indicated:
5h55
